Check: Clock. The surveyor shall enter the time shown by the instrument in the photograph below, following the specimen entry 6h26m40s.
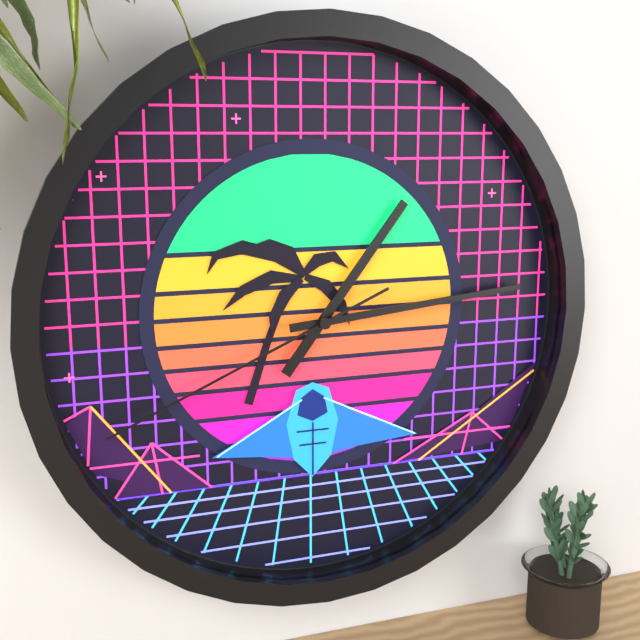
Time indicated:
1h14m41s
